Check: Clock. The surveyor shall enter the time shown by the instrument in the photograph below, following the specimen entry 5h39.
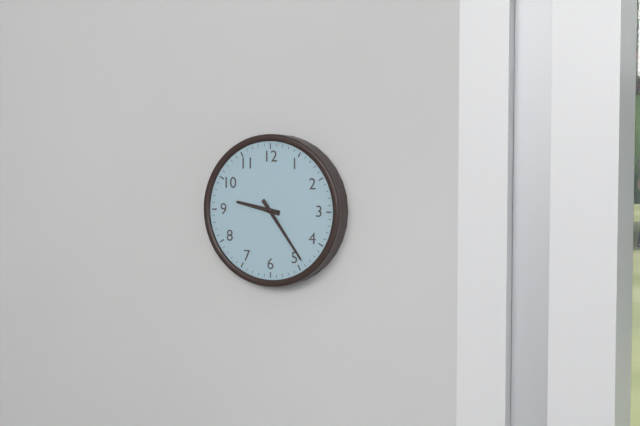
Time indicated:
9h24
